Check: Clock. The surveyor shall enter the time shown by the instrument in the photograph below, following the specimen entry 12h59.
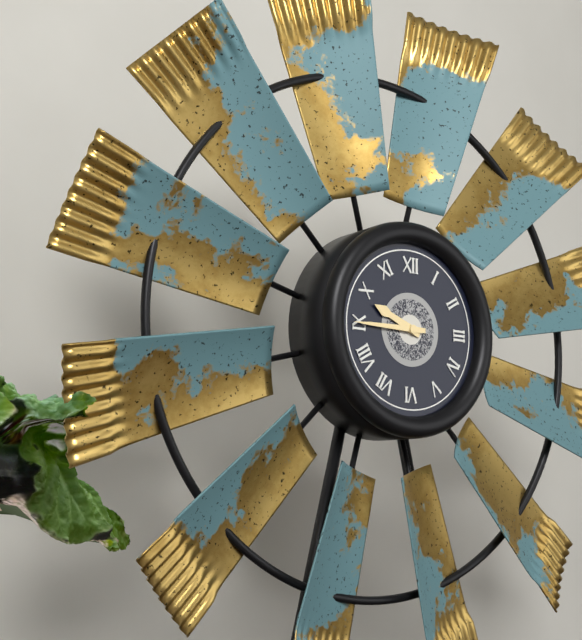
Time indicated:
9h45
